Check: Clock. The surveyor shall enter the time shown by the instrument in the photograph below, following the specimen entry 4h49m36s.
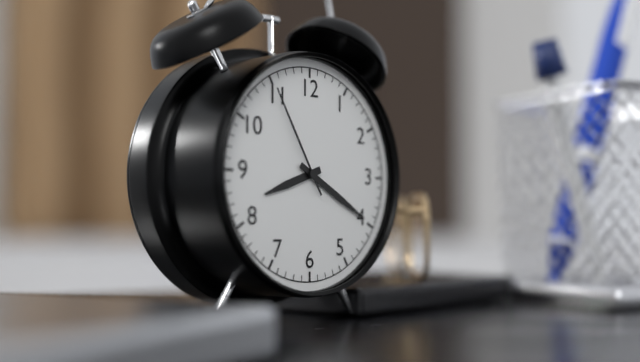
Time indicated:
8h20m55s
